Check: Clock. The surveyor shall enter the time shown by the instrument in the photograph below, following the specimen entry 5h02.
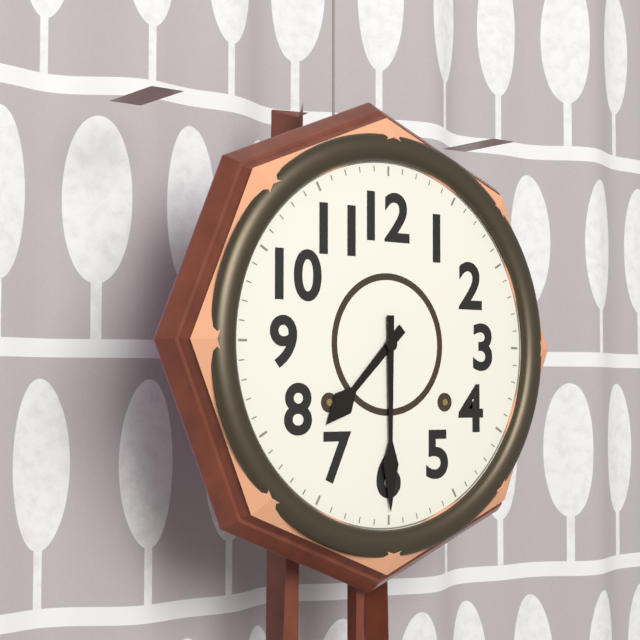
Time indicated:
7h30
